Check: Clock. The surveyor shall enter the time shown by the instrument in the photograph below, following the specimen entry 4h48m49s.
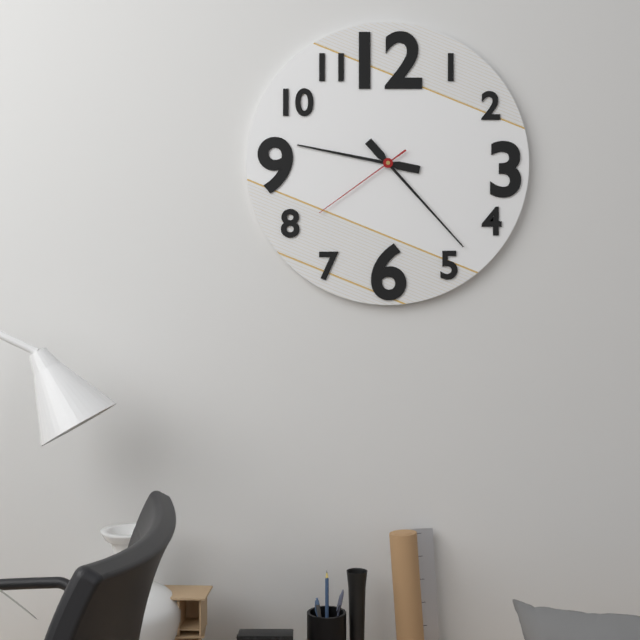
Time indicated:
9h23m39s
